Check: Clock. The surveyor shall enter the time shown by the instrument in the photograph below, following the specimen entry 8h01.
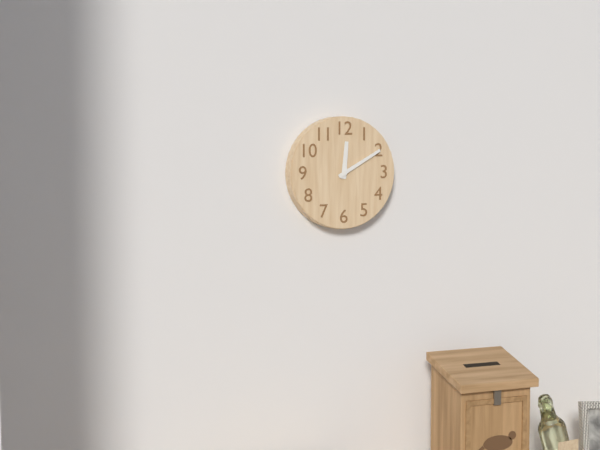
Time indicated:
12h10
